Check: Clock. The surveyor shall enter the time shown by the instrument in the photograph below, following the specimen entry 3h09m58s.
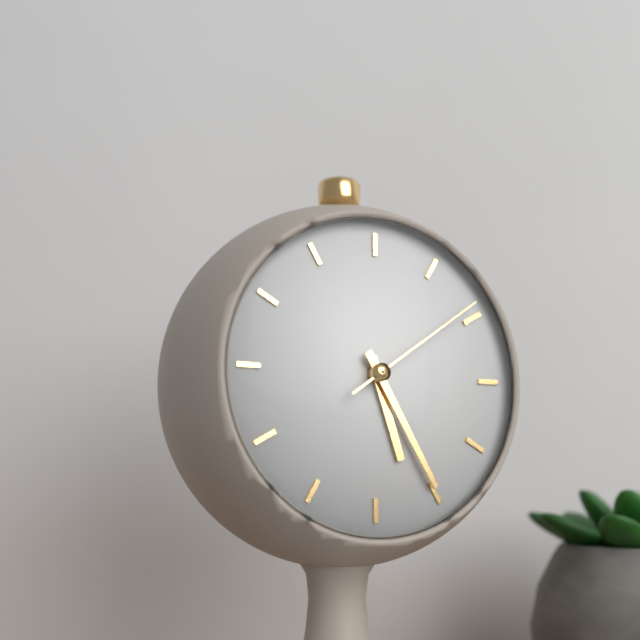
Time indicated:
5h25m09s
